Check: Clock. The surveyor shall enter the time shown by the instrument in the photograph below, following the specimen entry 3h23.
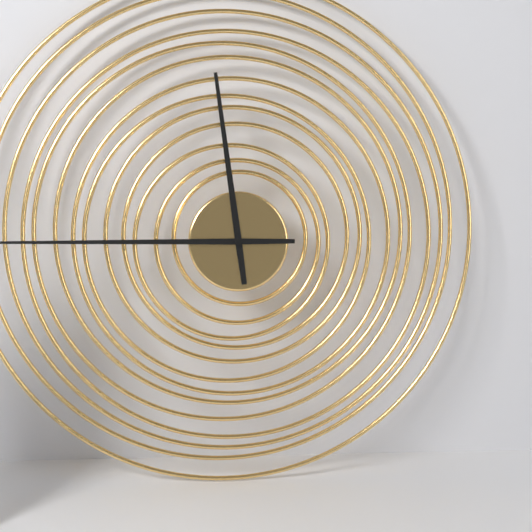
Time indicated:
11h45
